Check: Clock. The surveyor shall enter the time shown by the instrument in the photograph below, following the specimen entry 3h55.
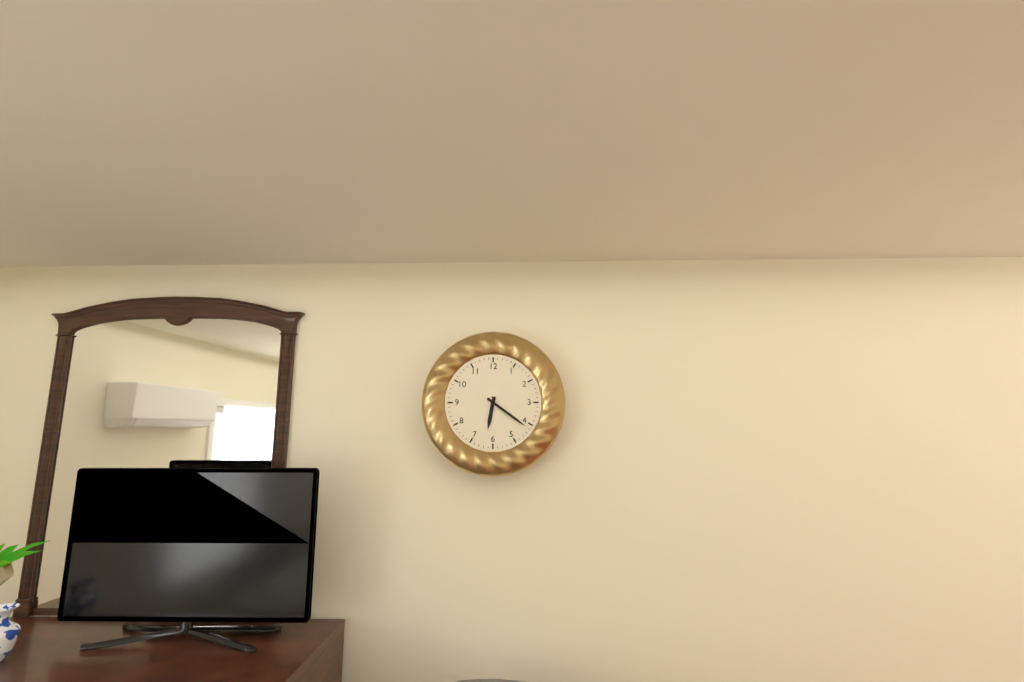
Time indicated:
6h21
